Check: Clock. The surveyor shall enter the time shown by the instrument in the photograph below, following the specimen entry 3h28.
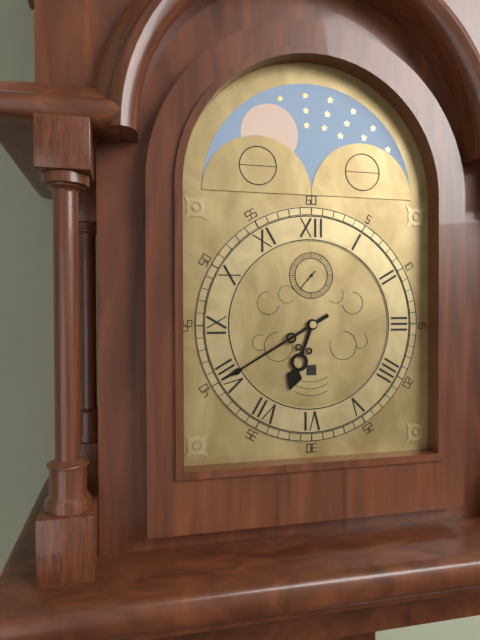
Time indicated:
6h40
